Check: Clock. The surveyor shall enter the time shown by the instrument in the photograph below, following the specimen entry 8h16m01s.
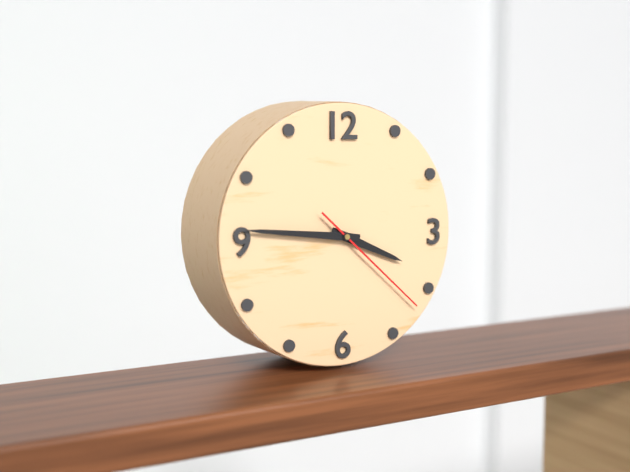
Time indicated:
3h46m22s
